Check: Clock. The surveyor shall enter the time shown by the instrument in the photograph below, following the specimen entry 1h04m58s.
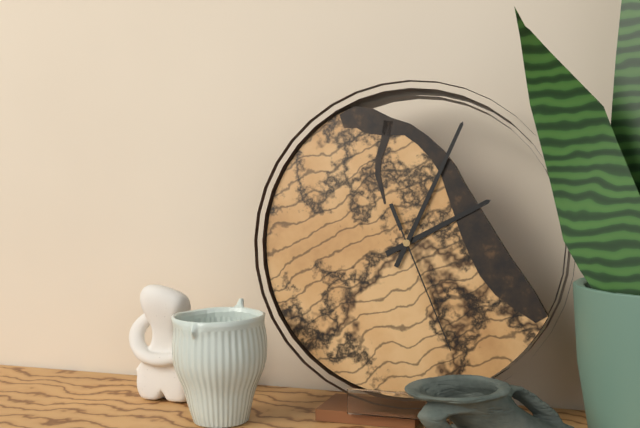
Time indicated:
2h04m26s
